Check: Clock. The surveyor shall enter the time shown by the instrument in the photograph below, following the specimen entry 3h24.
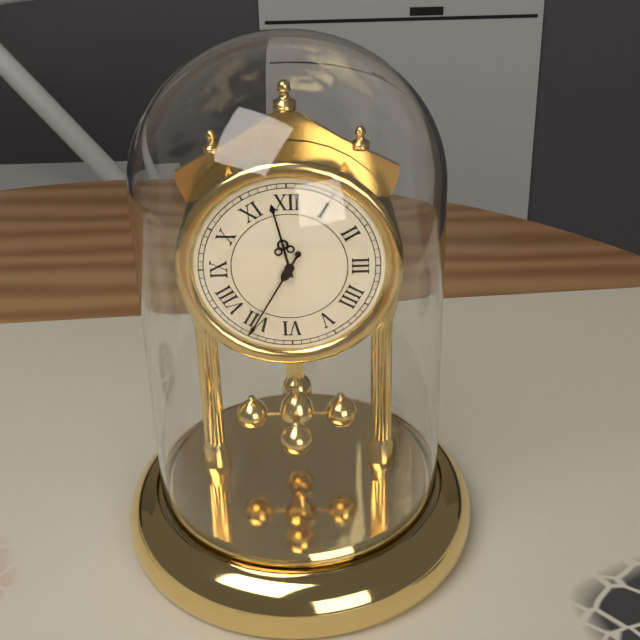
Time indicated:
11h35
